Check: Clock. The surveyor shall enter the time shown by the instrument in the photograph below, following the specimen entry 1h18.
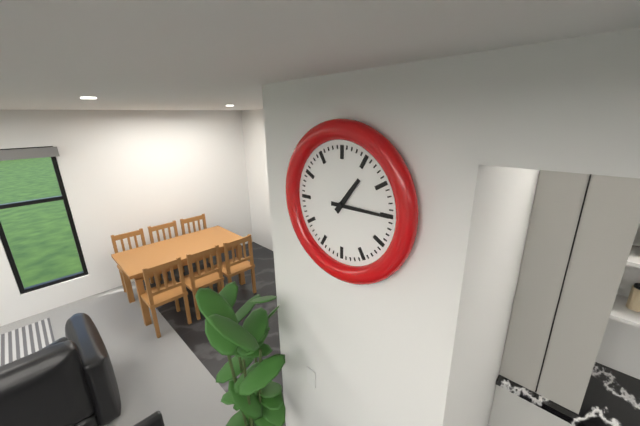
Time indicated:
1h15
